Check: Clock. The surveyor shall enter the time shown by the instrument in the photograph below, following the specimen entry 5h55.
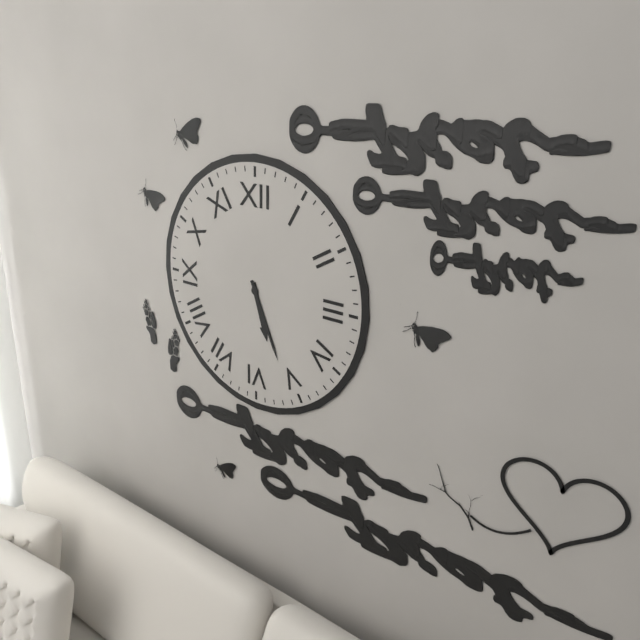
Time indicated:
5h26
